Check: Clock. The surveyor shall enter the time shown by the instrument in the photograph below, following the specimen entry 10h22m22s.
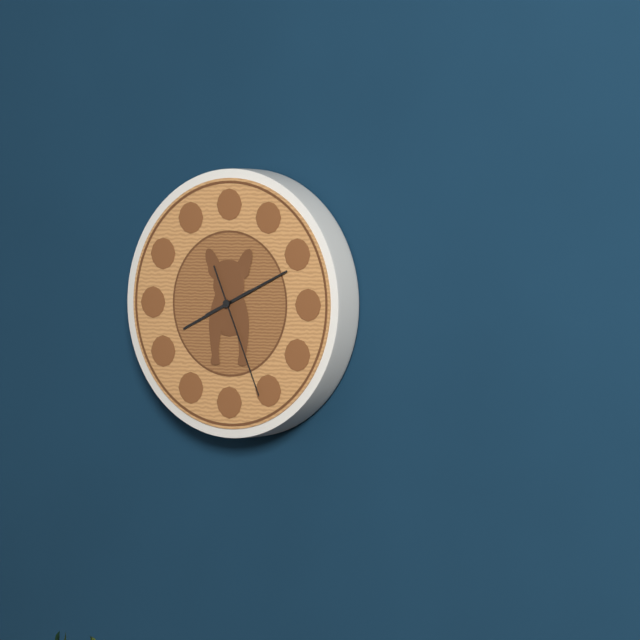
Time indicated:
8h11m26s
